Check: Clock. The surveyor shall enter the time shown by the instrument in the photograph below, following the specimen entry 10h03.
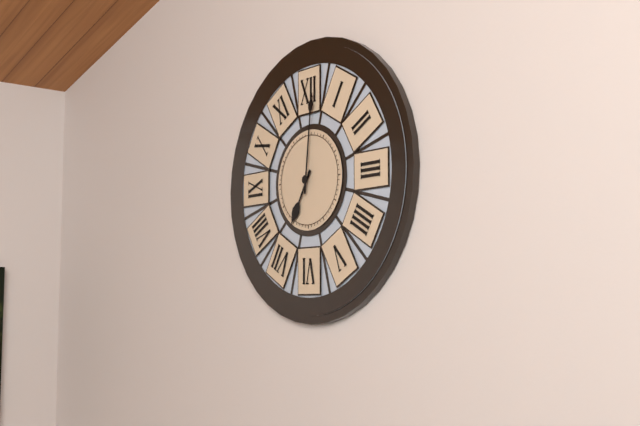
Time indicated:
7h01
